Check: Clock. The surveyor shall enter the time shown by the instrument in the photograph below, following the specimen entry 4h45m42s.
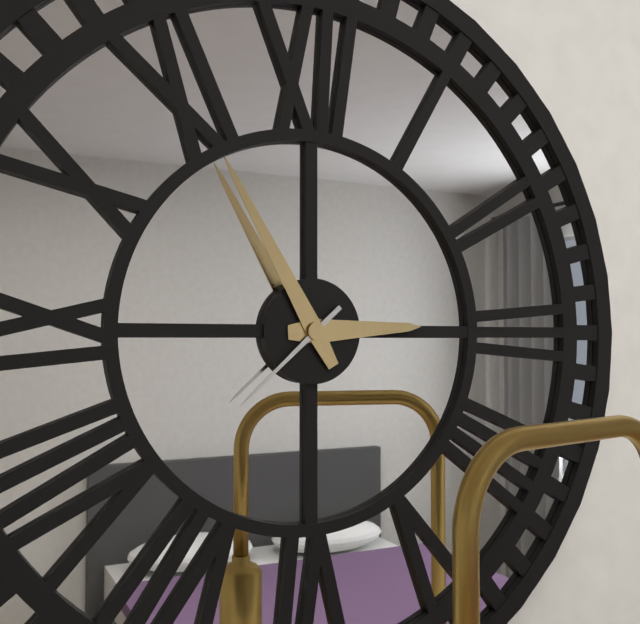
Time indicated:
2h55m38s
